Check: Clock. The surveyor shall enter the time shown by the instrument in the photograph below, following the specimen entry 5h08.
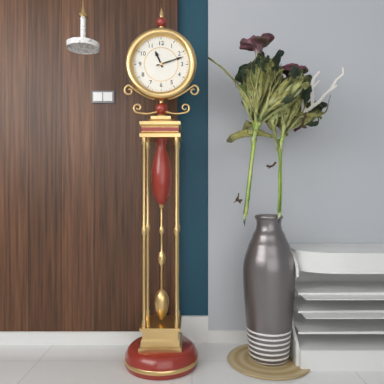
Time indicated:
11h12
